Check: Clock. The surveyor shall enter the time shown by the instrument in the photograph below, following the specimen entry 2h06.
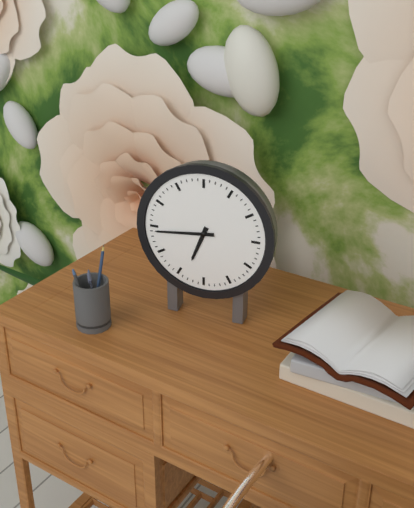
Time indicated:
6h44
